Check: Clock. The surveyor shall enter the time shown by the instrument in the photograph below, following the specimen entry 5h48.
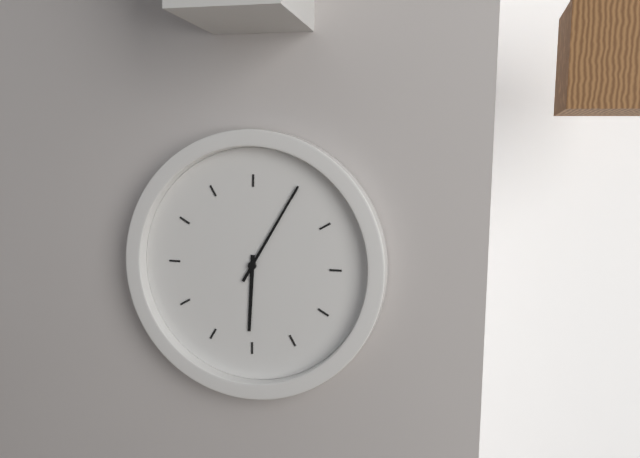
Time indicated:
6h05
